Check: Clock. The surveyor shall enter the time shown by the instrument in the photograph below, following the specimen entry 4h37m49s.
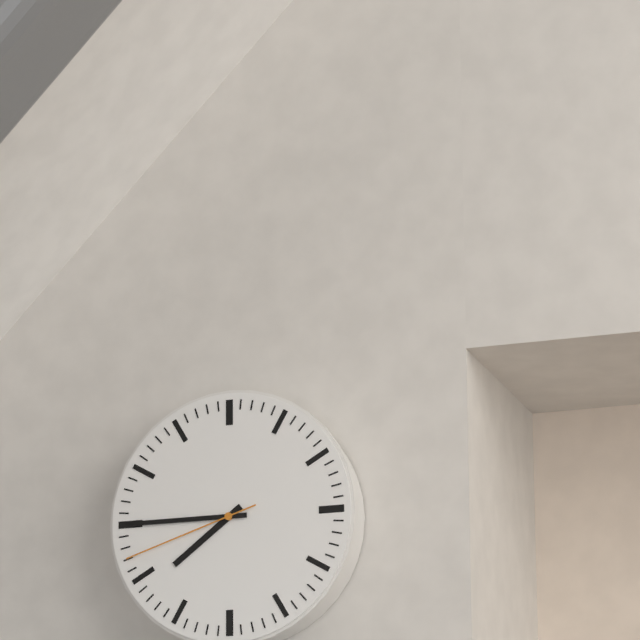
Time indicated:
7h45m42s
